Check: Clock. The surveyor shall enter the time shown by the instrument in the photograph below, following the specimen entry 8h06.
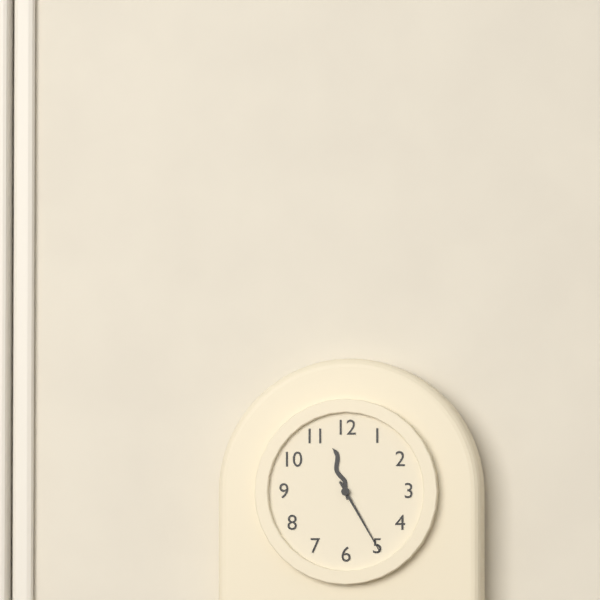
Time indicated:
11h25
